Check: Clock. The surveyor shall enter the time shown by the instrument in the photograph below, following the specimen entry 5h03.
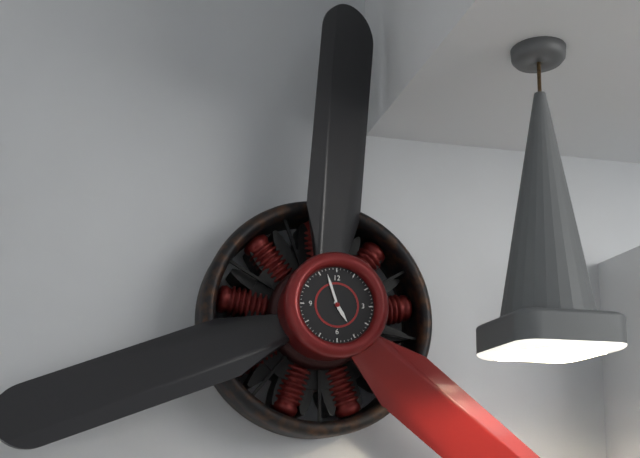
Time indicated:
4h57
